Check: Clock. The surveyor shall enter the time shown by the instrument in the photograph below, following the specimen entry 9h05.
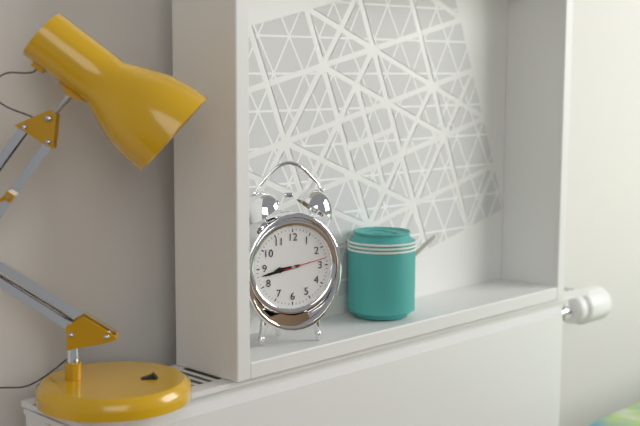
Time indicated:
8h43
